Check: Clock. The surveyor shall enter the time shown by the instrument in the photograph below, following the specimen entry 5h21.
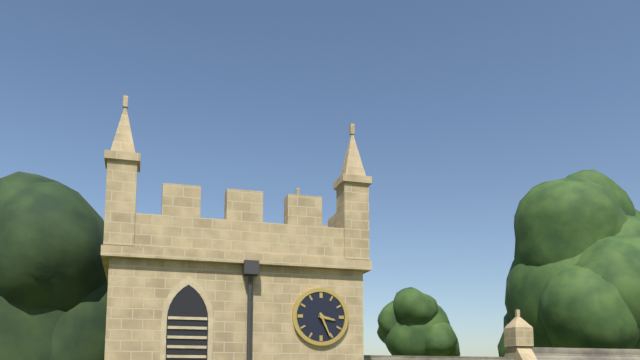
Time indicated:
3h26
